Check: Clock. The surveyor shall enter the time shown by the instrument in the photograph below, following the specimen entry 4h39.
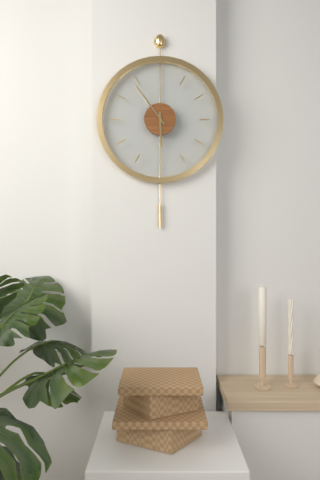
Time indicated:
5h54
